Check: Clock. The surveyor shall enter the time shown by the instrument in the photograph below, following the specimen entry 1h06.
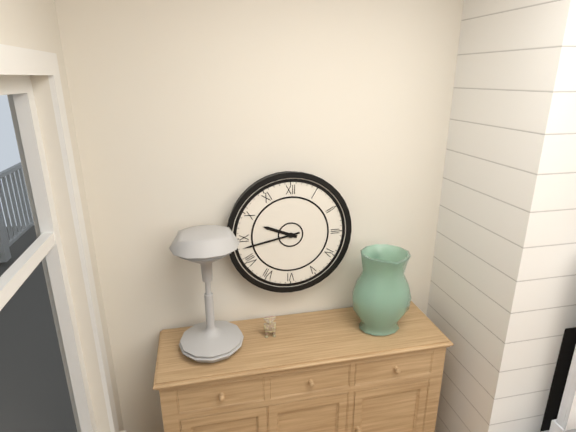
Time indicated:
9h43
